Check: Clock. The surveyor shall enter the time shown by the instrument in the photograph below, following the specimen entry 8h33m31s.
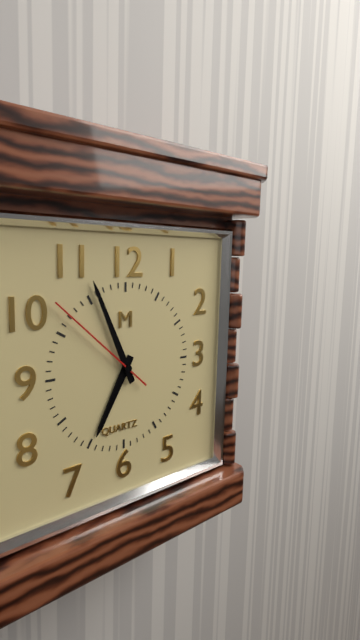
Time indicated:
6h56m52s
